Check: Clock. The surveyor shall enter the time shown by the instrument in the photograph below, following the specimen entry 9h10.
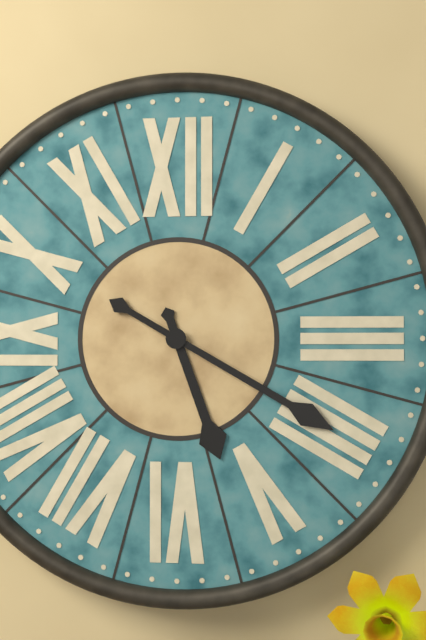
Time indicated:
5h20
